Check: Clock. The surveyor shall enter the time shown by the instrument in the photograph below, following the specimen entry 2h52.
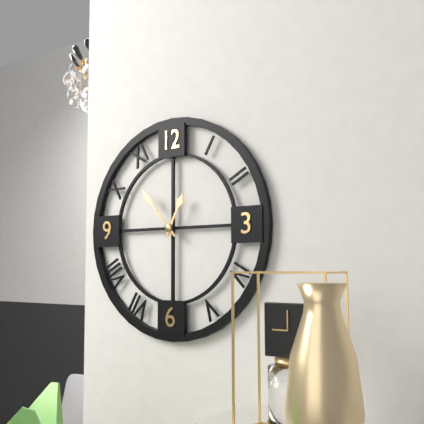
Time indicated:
12h53
